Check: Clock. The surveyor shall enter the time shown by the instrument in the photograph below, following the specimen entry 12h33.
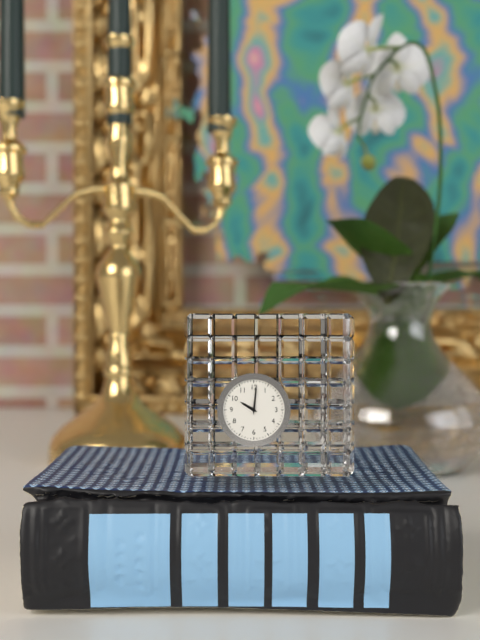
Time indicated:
10h01
